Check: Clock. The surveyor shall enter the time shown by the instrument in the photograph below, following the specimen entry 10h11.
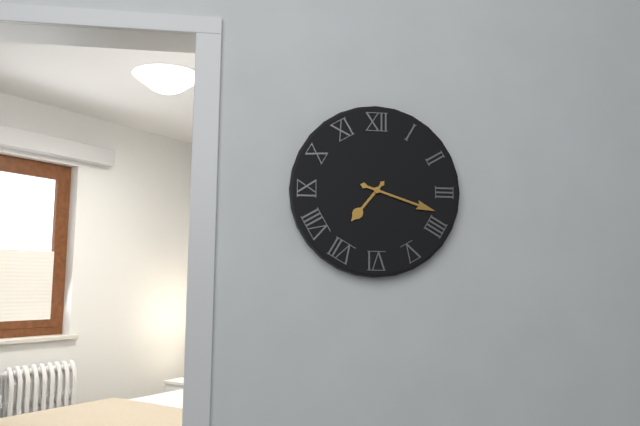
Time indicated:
7h18
